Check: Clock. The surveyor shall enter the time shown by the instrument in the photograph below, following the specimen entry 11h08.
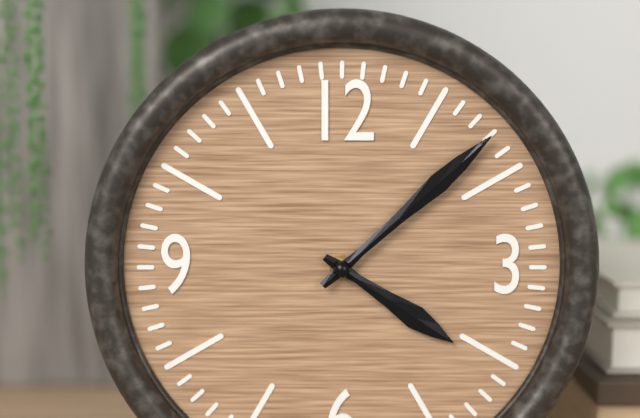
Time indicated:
4h08
